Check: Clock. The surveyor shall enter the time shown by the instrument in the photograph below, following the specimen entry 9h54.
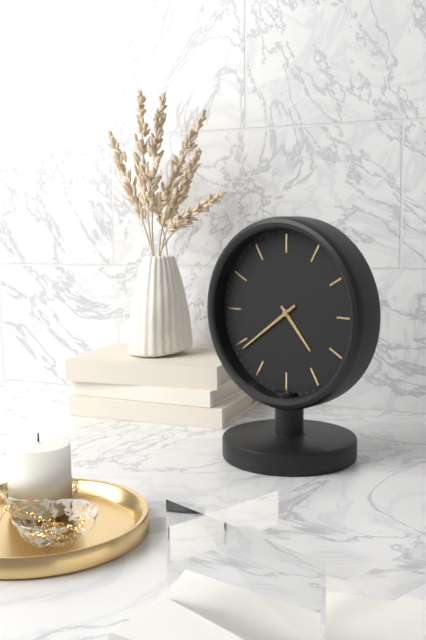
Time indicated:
4h39
